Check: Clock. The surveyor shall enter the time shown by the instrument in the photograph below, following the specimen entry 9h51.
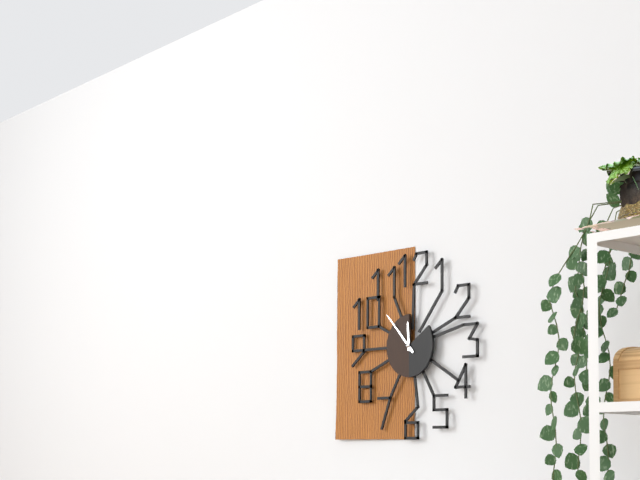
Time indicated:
11h53
